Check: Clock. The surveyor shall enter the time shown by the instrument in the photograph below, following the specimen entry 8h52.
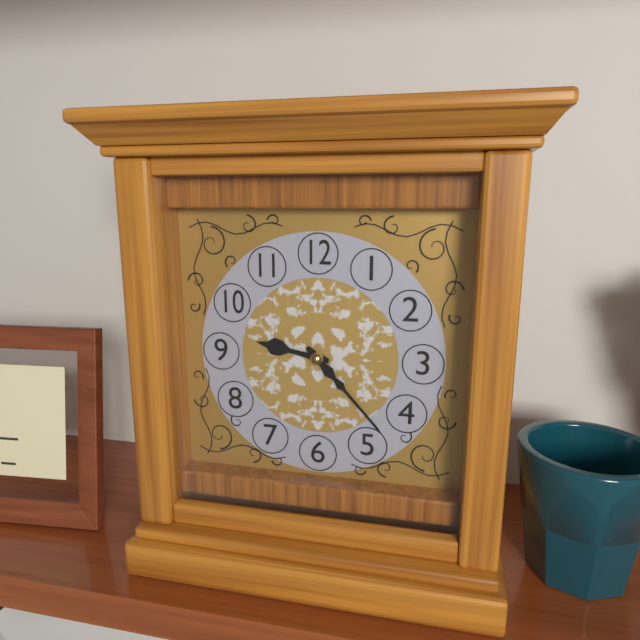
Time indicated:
9h23
